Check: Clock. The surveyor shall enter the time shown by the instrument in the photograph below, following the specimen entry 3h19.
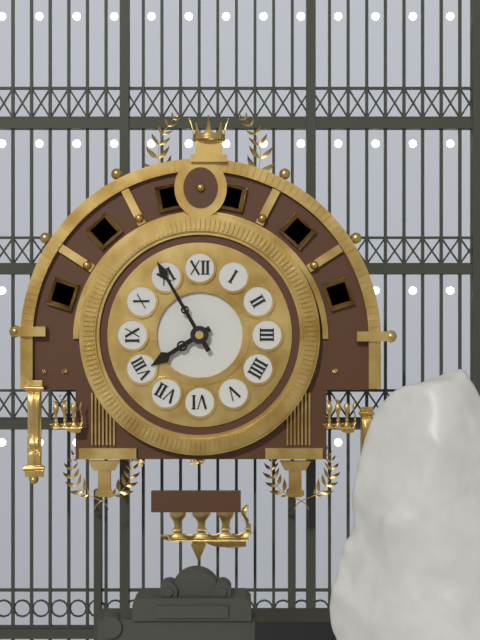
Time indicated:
7h55
